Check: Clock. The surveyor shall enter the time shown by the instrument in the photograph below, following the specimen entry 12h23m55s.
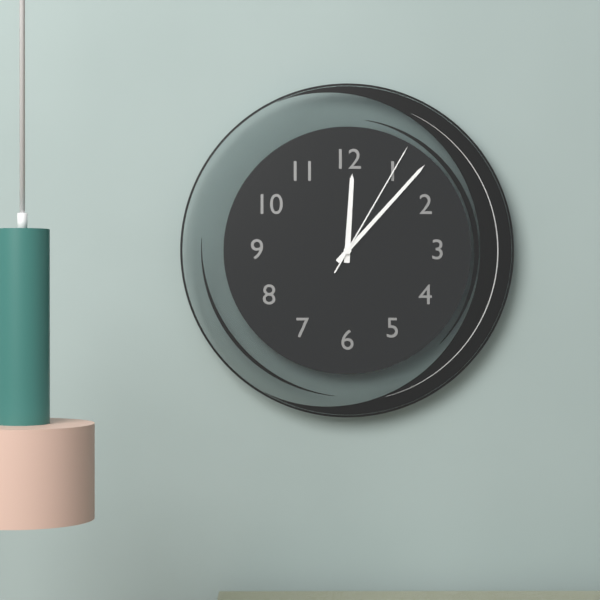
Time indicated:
12h07m05s
